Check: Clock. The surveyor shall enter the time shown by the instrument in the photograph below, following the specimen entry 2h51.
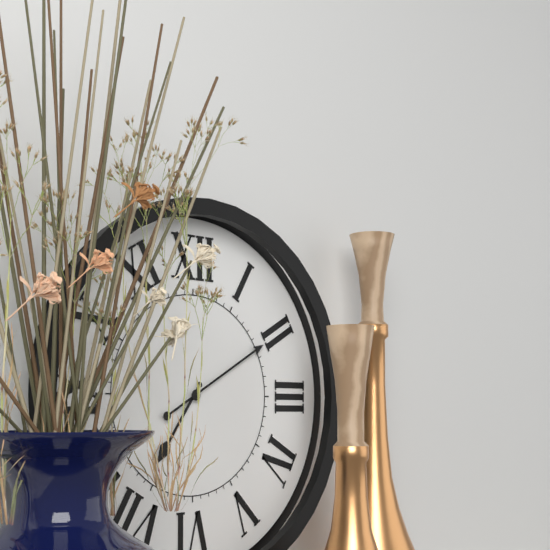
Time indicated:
7h10
